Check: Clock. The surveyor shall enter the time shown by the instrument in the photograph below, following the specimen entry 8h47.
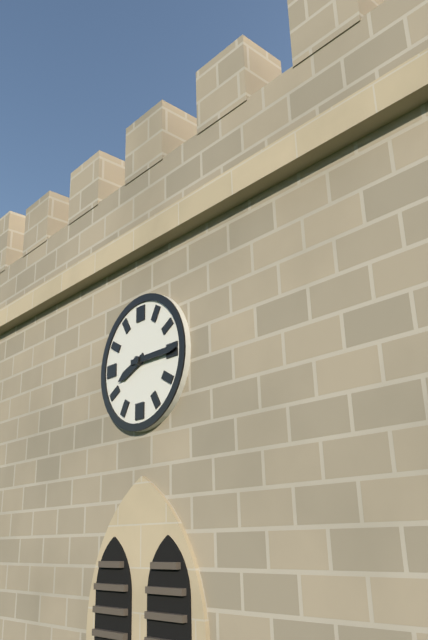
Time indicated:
8h15
